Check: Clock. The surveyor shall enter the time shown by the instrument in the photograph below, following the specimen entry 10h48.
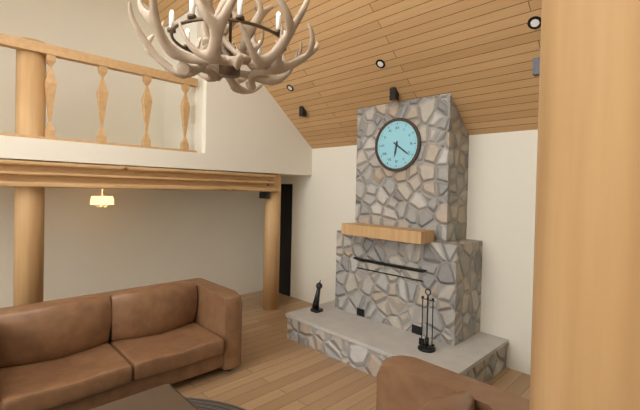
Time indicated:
6h21
